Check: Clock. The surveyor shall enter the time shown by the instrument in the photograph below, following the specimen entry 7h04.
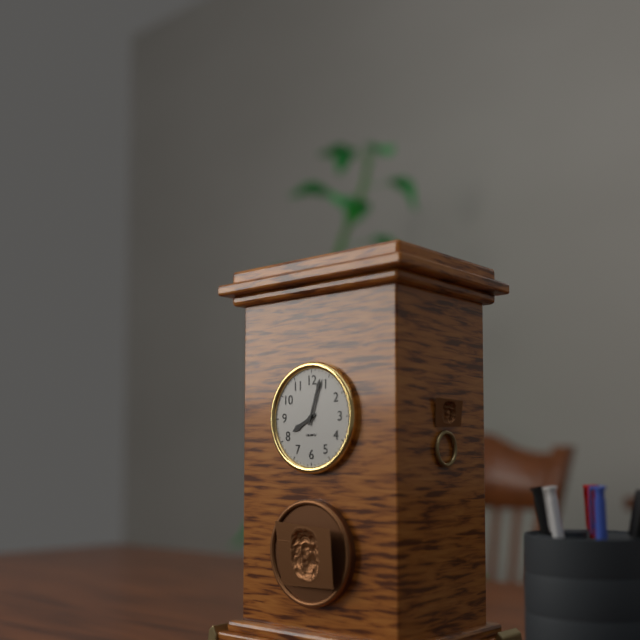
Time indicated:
8h03
